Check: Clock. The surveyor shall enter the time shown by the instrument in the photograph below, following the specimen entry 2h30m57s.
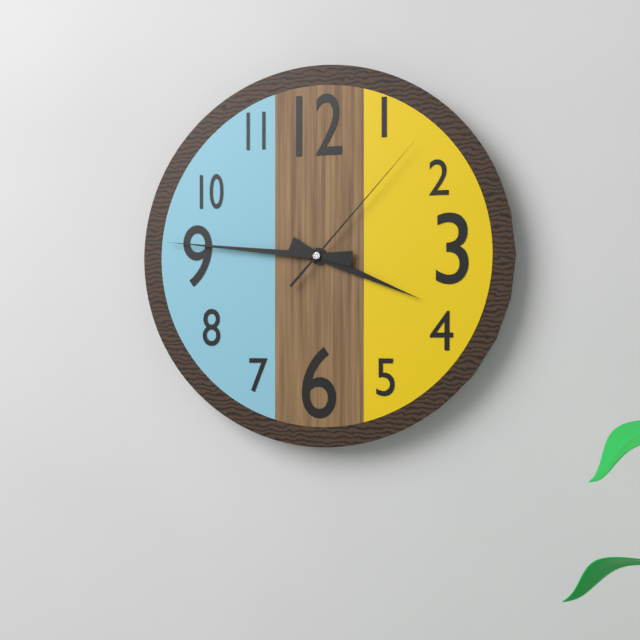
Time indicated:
3h46m07s
